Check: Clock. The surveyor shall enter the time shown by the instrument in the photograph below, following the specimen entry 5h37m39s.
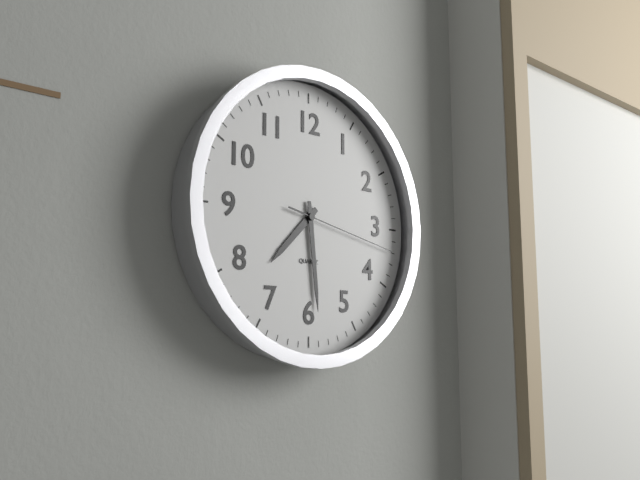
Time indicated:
7h29m17s
